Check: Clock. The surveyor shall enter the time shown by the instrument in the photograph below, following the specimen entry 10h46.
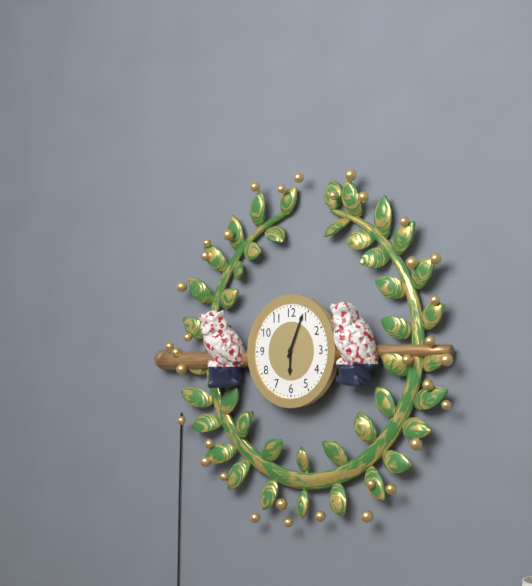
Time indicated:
6h04
